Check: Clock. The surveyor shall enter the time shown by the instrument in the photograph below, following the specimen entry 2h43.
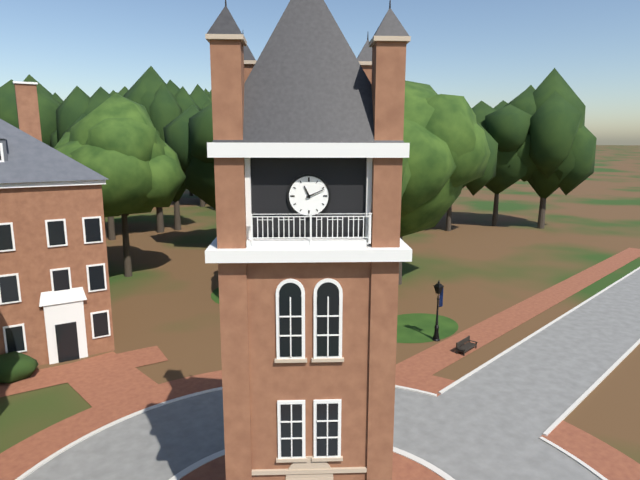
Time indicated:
11h11
